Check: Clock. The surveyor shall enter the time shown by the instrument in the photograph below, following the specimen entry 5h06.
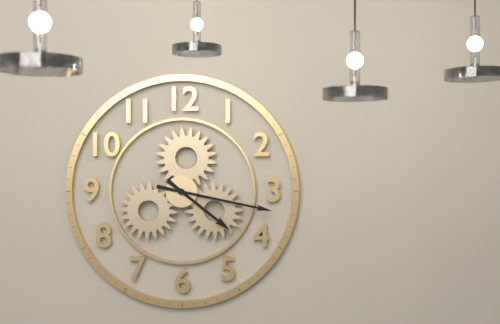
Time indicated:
4h17
